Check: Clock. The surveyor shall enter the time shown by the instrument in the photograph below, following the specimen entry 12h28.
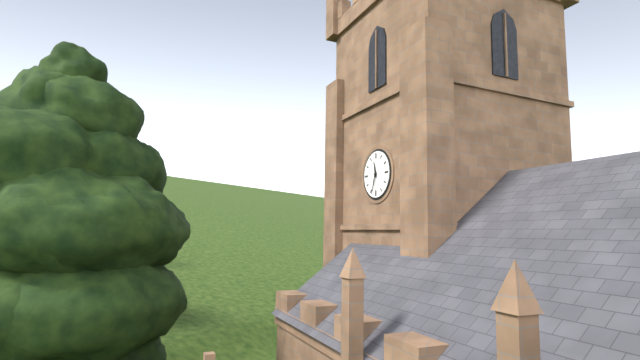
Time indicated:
11h33
